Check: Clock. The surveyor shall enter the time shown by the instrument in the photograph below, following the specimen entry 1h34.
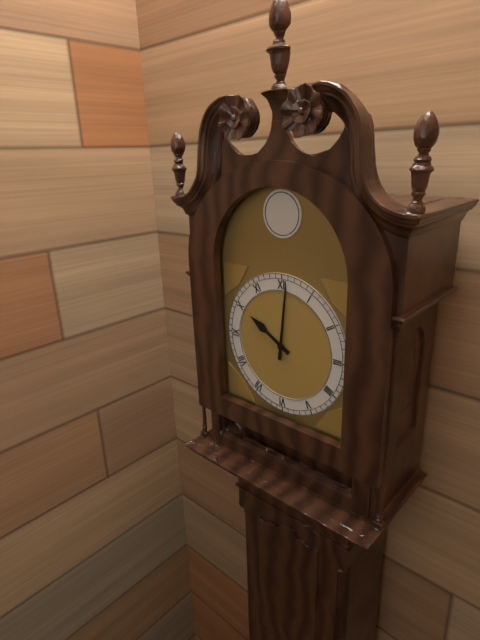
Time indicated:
10h01
